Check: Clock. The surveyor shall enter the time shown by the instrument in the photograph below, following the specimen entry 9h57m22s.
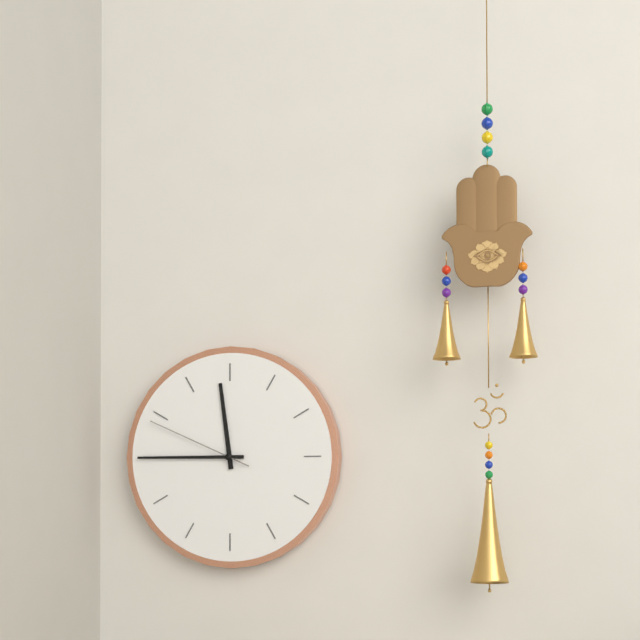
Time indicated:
11h45m49s
